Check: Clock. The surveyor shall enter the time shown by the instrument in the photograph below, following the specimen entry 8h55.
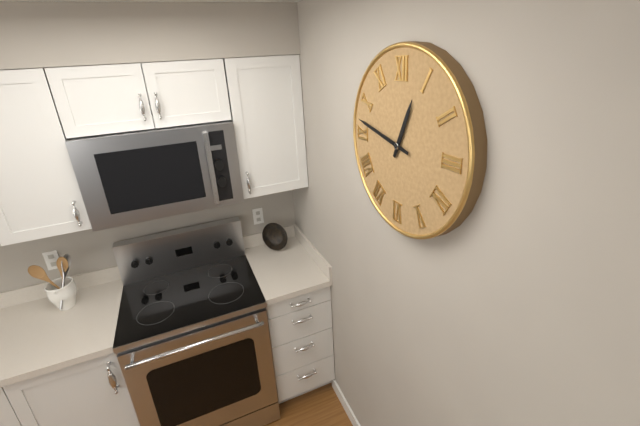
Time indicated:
12h47
